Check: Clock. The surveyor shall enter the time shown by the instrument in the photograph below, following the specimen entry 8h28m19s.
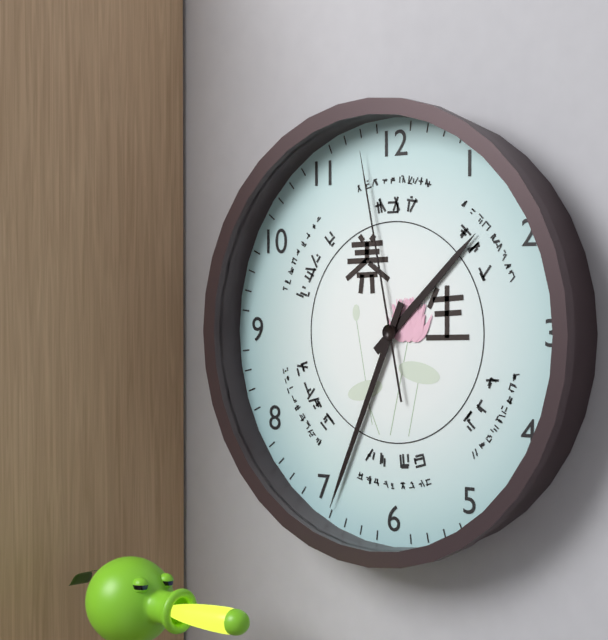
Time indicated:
1h34m58s
